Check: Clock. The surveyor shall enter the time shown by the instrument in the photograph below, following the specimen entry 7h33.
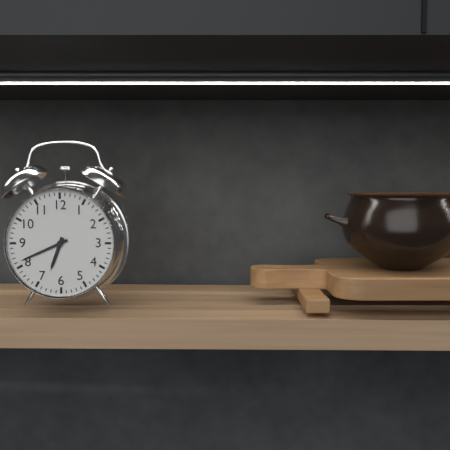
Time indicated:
6h41
